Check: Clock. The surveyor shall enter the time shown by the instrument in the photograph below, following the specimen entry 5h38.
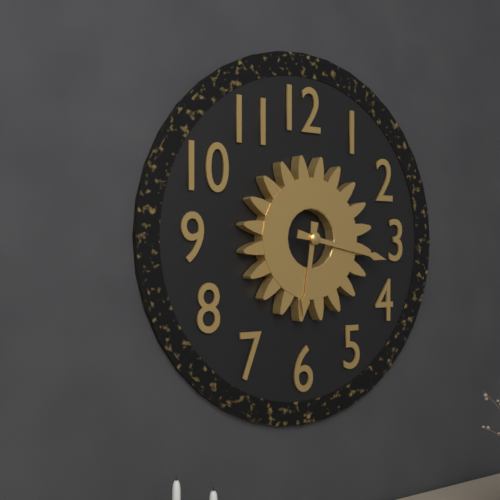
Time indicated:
6h17
